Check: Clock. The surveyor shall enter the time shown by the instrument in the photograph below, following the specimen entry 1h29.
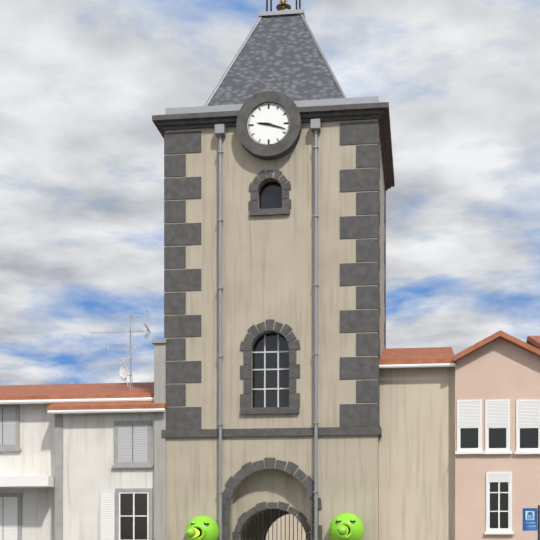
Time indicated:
9h18
